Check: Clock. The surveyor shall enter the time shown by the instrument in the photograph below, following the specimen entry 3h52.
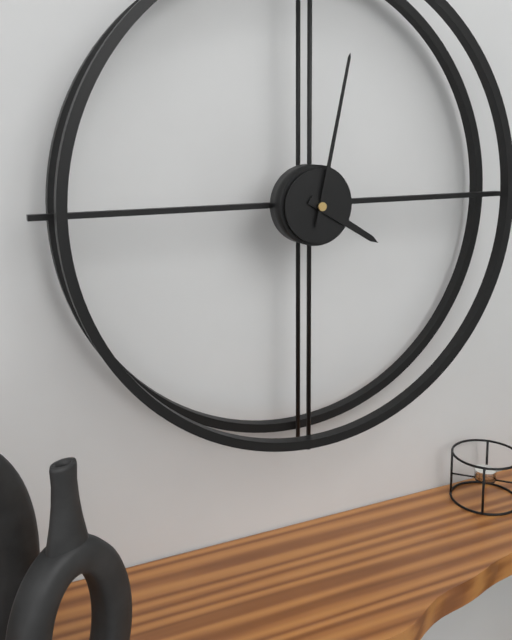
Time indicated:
4h02
